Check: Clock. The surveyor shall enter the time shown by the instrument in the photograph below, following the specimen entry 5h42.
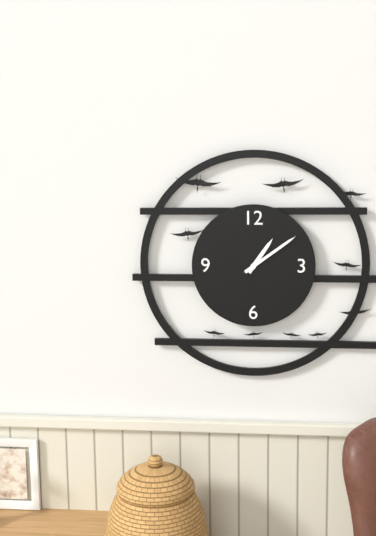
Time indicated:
1h09
